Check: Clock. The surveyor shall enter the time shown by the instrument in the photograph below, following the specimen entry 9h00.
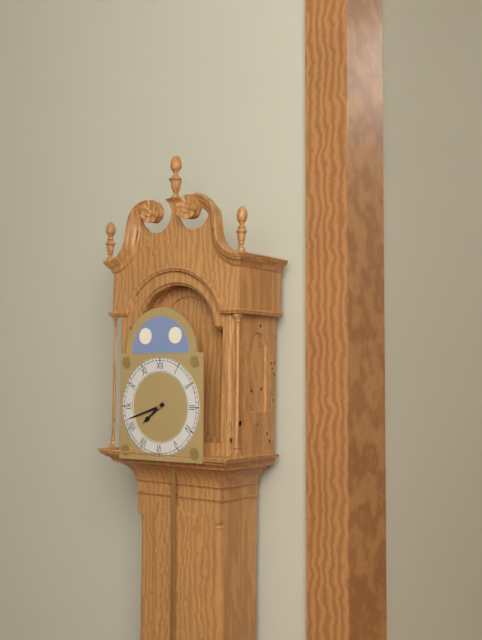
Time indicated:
7h42
